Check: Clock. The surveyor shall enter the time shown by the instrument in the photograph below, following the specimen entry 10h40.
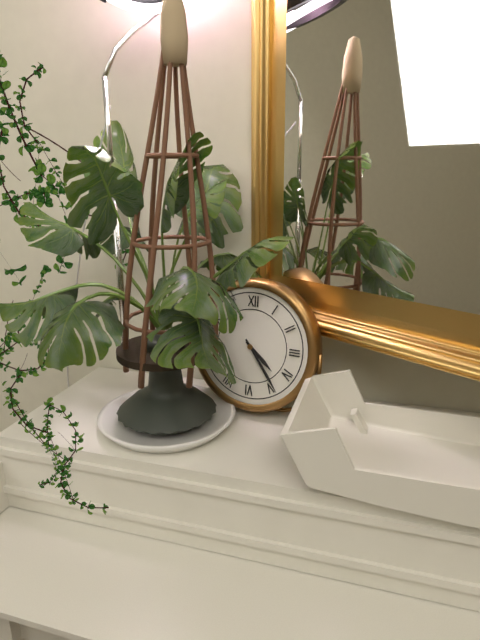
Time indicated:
4h24
